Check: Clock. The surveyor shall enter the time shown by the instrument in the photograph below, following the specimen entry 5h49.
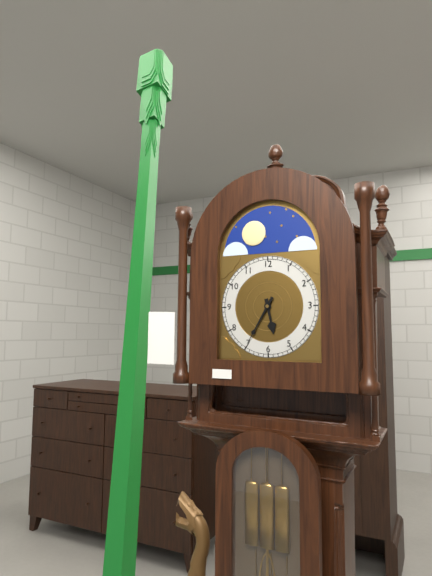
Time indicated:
5h35
